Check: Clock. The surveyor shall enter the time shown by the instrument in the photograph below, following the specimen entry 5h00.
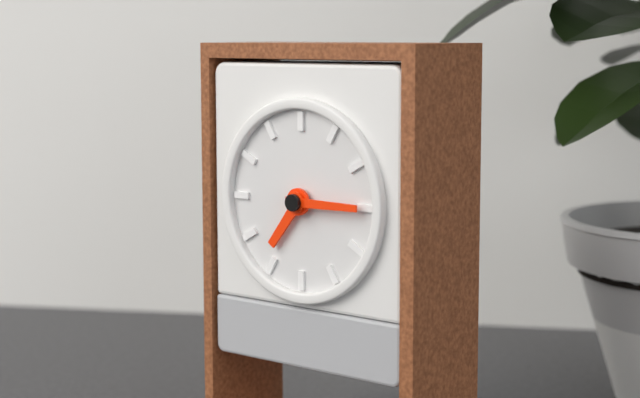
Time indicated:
7h15
